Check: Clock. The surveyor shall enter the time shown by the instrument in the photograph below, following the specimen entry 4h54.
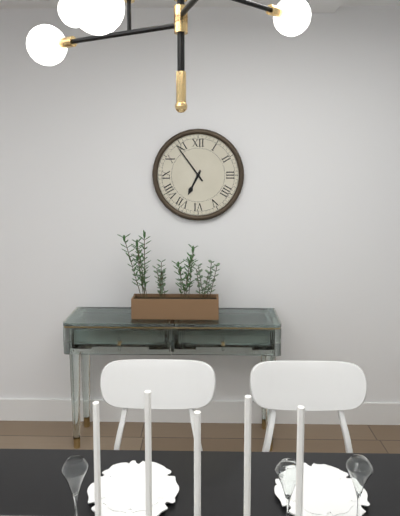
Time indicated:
6h54
